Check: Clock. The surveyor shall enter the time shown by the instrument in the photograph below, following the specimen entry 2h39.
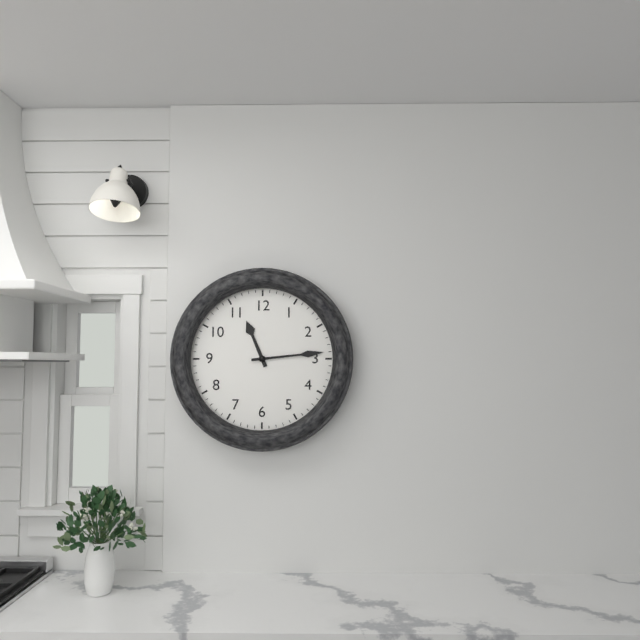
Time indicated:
11h14
